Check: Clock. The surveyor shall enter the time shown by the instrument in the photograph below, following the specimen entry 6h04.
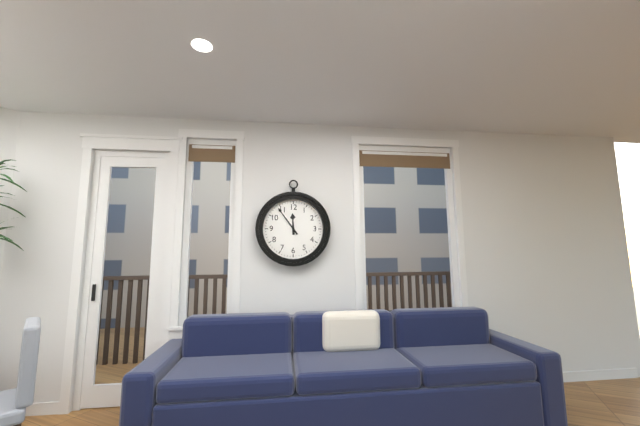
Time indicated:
11h54
